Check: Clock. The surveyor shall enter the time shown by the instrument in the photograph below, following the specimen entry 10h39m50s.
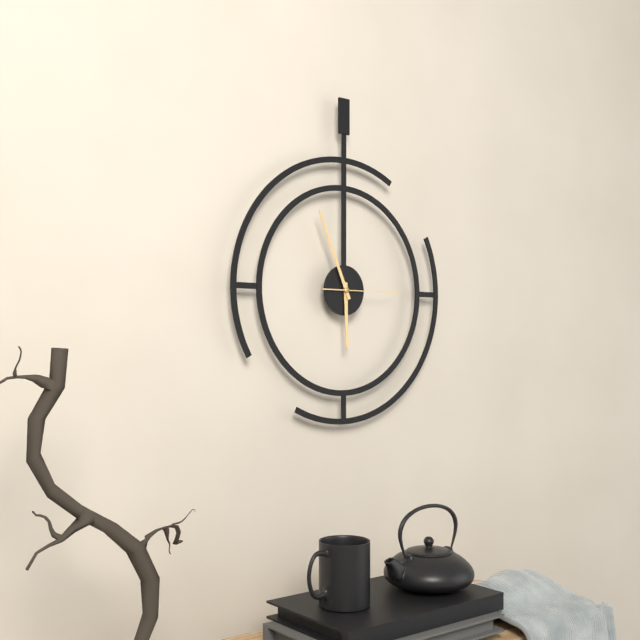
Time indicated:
5h56m15s
